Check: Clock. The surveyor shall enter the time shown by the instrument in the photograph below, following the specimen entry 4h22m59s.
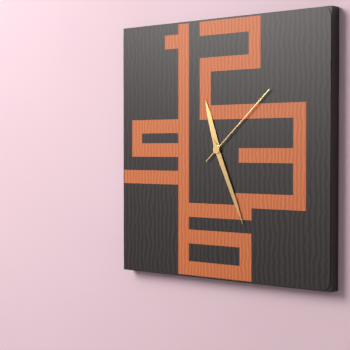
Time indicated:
11h26m08s
